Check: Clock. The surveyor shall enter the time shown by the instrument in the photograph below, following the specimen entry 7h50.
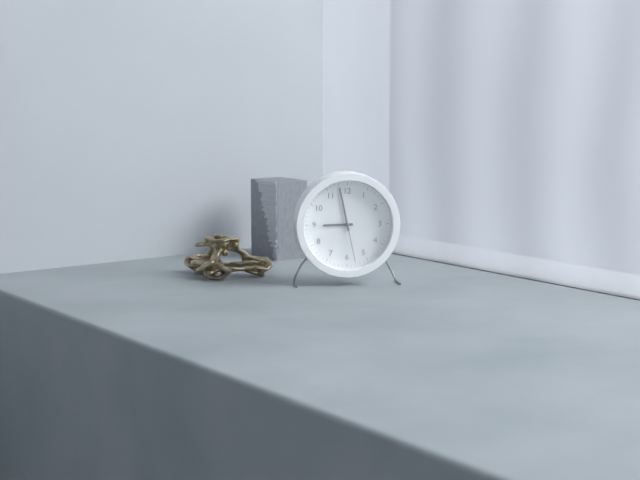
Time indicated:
8h58
